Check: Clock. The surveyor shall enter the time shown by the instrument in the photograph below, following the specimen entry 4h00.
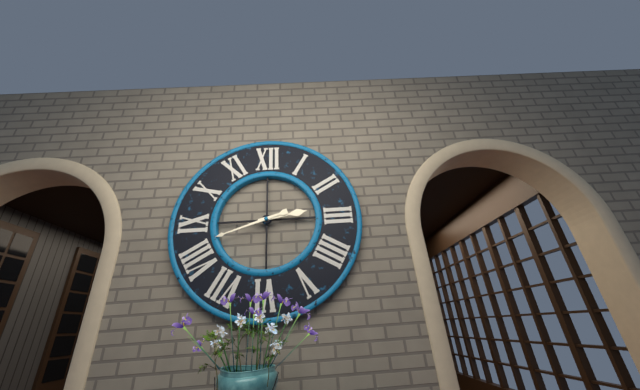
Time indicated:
2h42
